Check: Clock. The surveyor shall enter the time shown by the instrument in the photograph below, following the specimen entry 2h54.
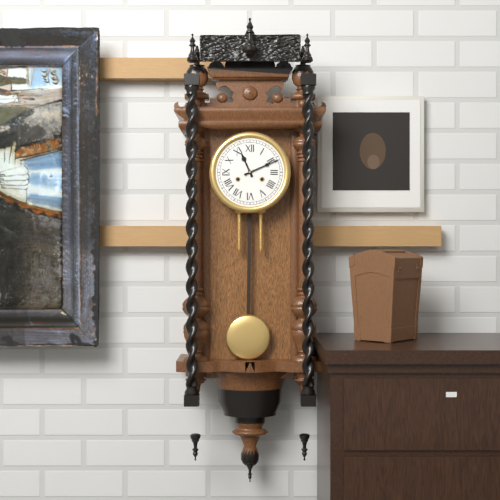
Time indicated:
11h11
